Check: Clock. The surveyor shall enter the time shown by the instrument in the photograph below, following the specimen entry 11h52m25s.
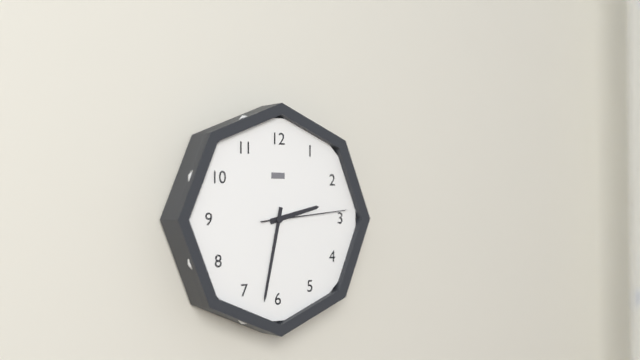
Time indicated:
2h32m14s
